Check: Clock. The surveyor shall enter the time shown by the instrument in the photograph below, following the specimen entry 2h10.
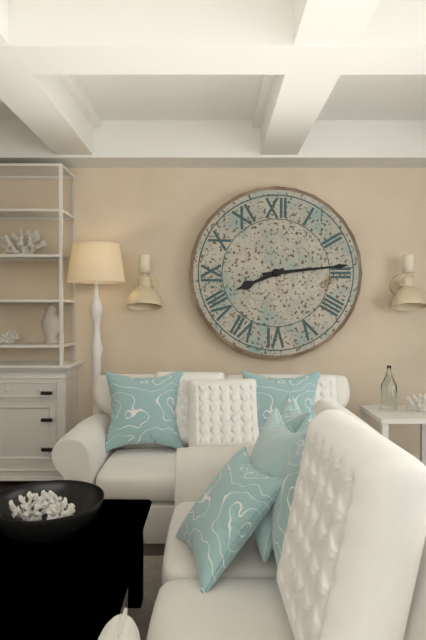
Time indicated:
8h14
